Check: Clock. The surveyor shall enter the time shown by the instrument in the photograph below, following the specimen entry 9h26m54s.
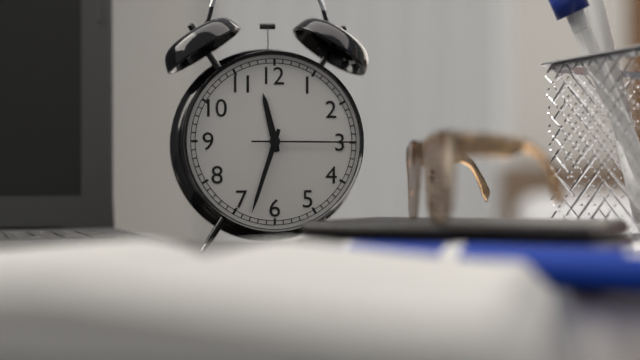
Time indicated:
11h33m15s
